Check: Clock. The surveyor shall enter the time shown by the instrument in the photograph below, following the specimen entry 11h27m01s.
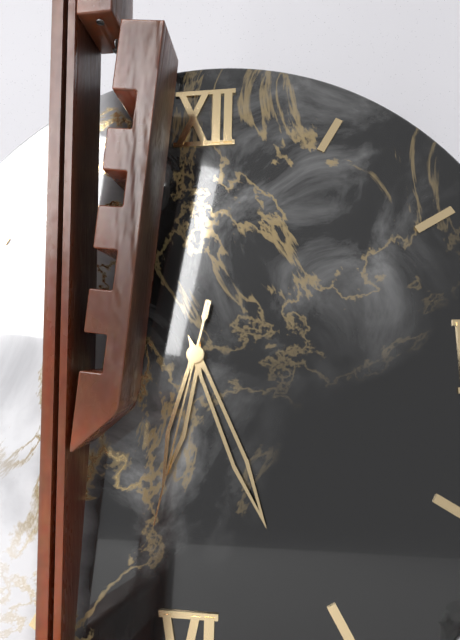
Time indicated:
6h26m32s
